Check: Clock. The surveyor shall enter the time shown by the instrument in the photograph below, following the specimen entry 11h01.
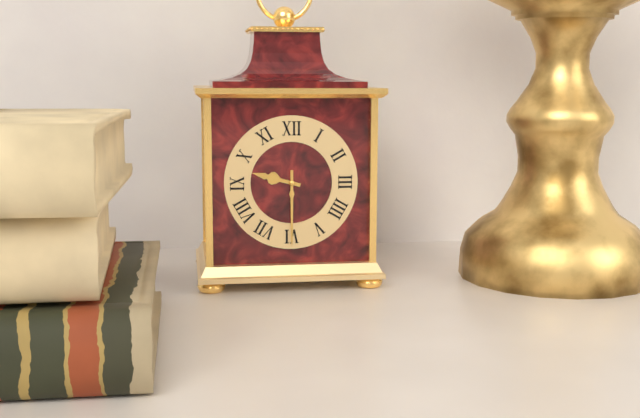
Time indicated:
9h30
